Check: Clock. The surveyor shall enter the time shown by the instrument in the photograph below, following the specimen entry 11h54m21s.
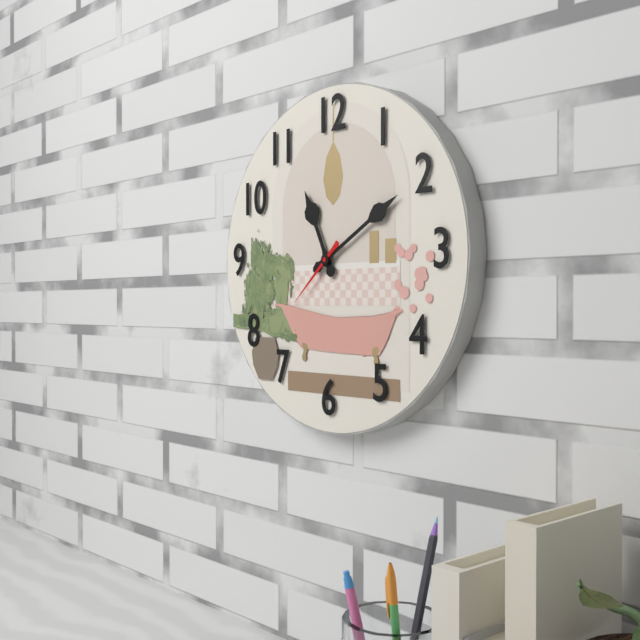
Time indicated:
11h10m38s
